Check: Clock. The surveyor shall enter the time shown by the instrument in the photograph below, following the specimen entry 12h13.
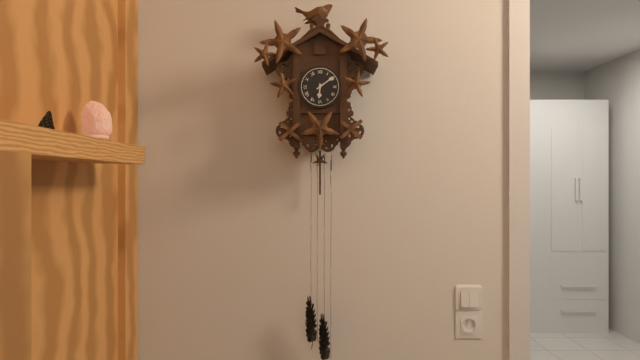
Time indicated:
6h09
